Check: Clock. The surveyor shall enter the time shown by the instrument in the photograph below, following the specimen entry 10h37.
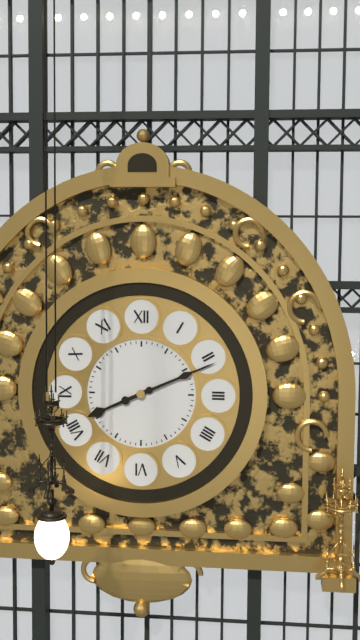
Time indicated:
8h11
